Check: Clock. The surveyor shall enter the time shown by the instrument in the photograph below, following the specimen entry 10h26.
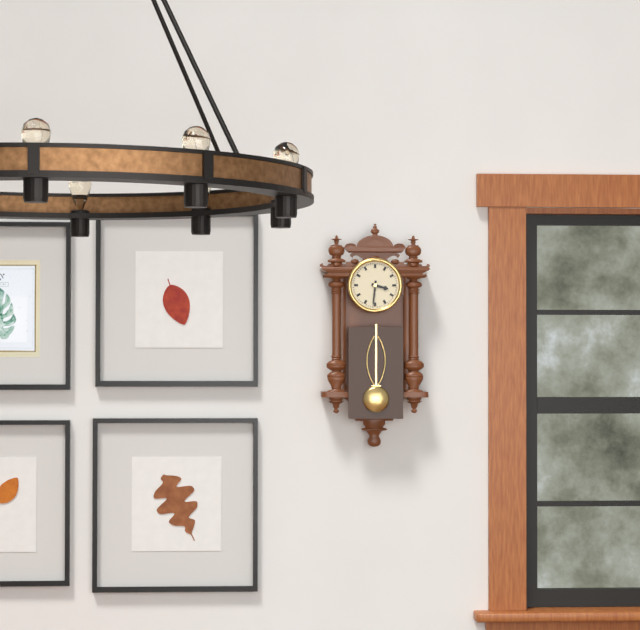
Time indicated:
3h31
